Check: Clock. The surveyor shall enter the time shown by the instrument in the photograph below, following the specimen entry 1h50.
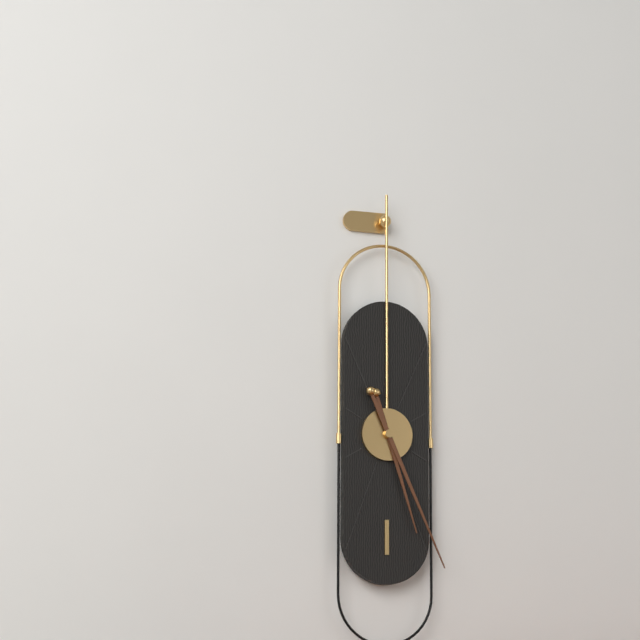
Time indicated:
5h26
